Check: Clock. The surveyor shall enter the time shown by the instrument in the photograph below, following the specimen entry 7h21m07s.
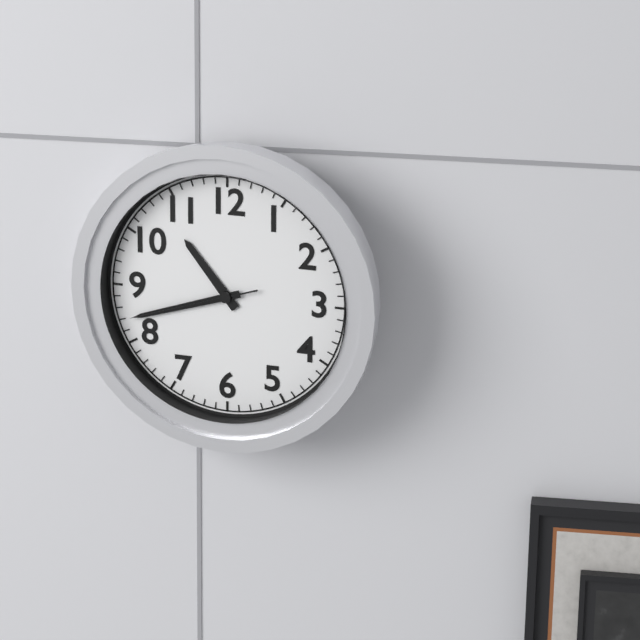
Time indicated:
10h42m42s
